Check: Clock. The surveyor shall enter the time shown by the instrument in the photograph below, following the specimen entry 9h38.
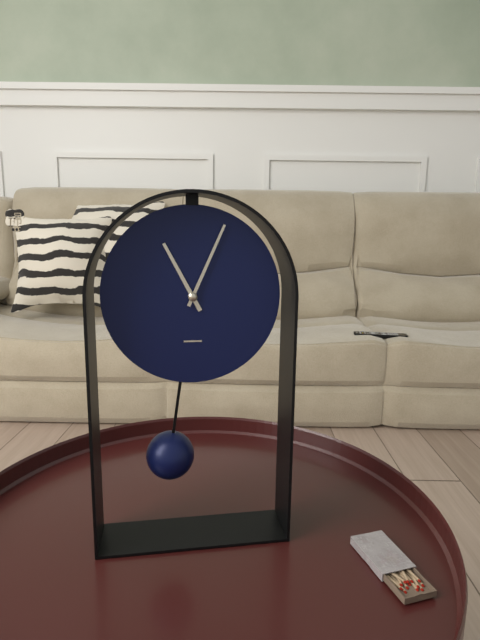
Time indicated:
11h04
